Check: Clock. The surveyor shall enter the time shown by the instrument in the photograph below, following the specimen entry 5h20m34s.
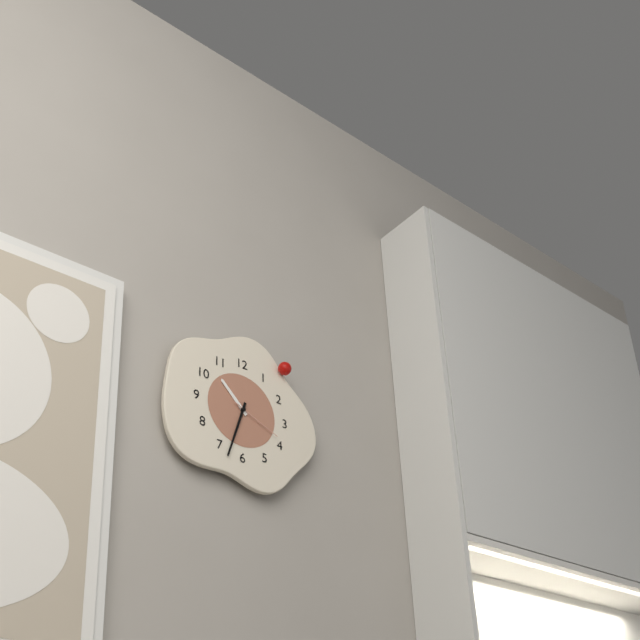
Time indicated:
10h33m19s
